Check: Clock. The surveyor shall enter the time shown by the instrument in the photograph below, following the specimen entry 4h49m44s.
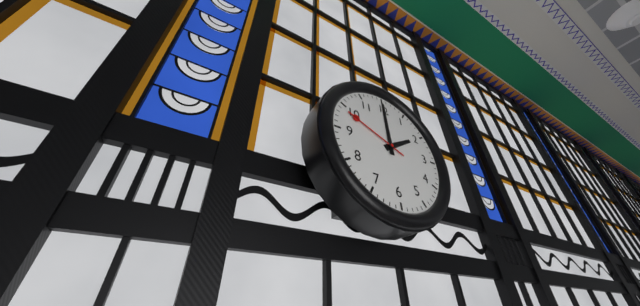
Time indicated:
2h00m49s
